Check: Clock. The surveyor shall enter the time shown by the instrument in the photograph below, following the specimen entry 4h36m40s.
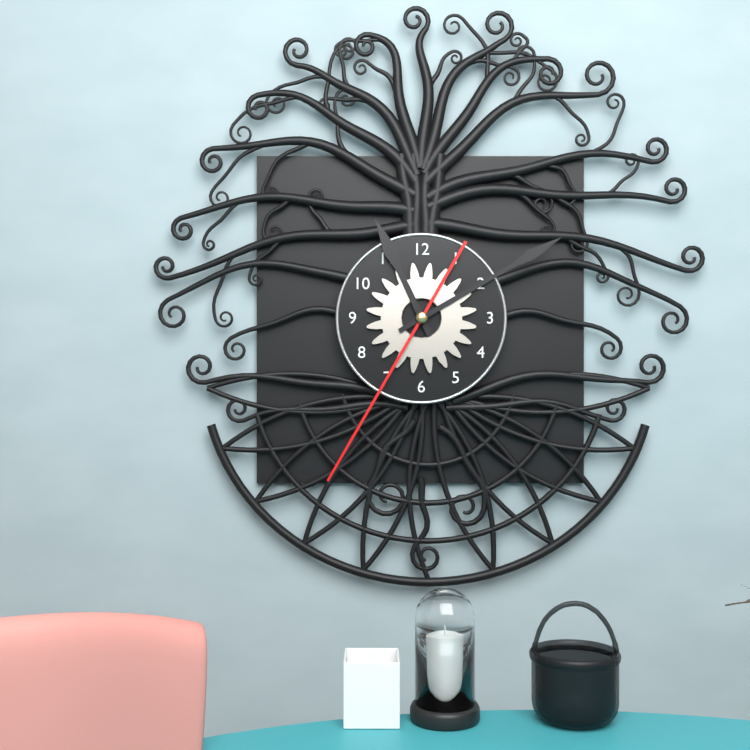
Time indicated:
11h10m35s
